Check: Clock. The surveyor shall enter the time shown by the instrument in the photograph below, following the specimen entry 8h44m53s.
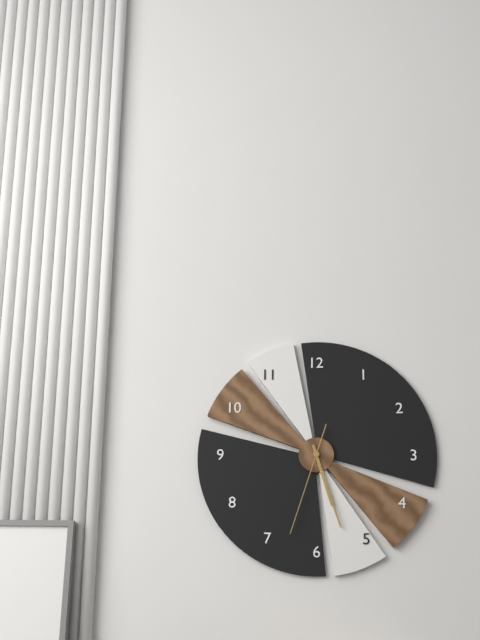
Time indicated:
5h27m33s
